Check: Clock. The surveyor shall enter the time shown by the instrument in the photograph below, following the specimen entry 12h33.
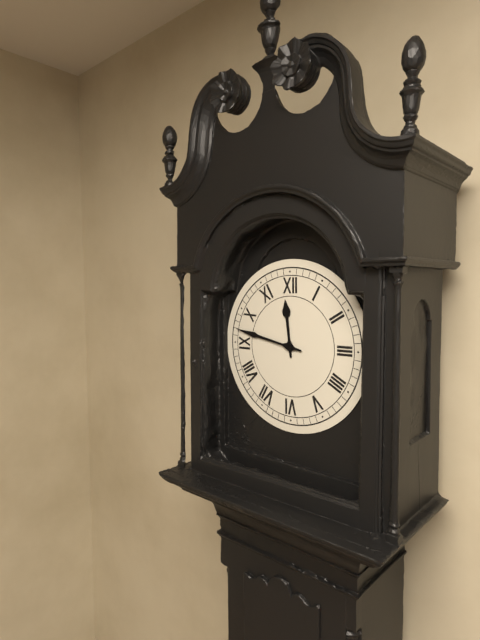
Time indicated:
11h47
